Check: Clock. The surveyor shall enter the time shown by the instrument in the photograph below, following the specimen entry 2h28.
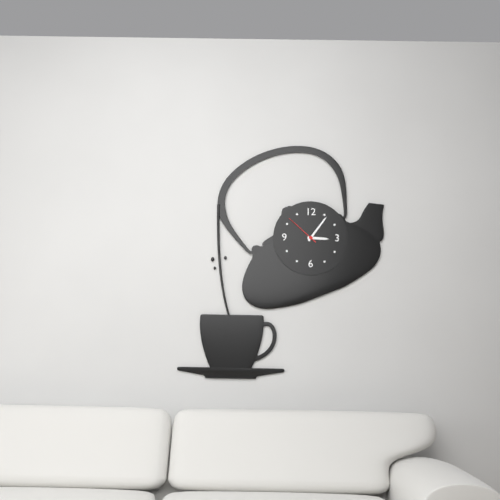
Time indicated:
3h06
